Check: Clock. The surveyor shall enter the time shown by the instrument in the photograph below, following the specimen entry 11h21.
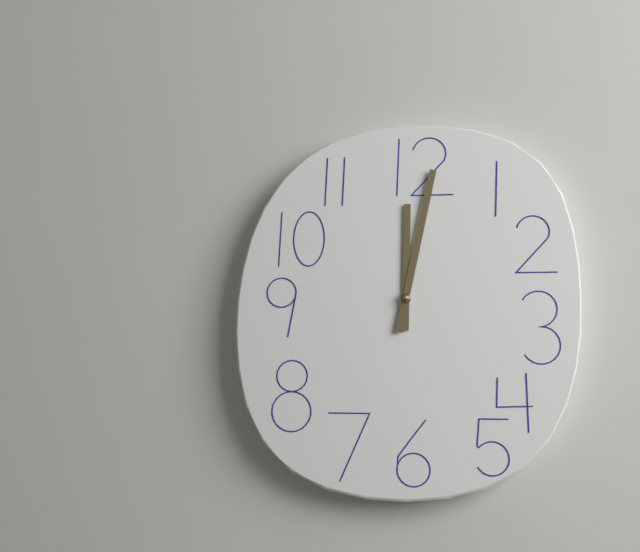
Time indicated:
12h02
